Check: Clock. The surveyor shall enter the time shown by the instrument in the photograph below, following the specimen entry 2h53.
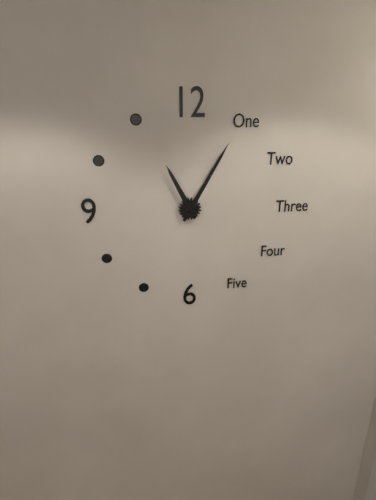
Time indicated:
11h05
